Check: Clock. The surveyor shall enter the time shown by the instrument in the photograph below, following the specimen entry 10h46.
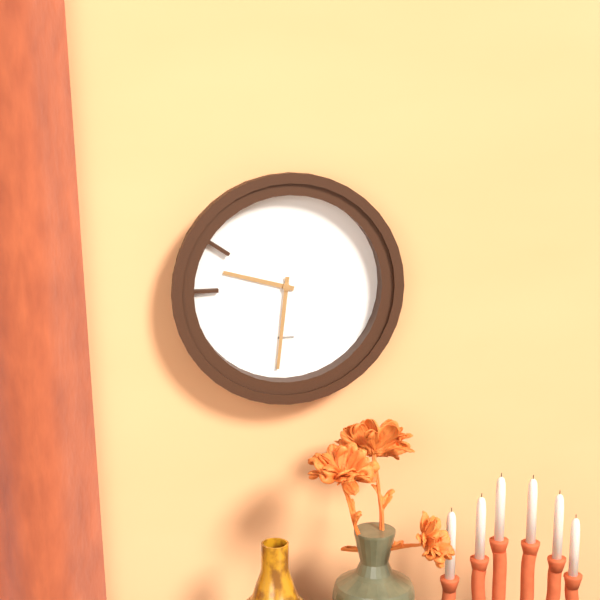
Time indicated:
9h31
